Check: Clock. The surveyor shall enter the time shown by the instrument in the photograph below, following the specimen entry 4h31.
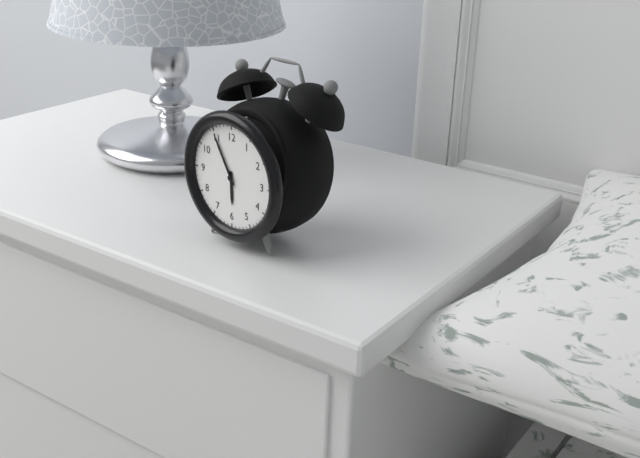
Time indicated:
5h55
